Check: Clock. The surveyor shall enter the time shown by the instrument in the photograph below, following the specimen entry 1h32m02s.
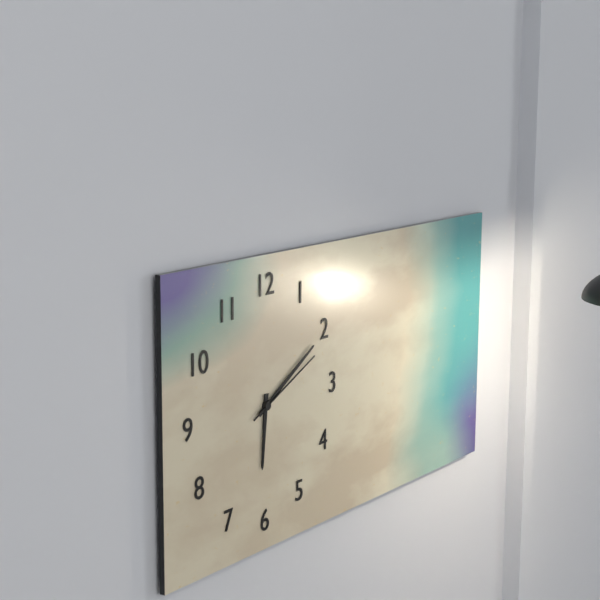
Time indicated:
6h10m11s
